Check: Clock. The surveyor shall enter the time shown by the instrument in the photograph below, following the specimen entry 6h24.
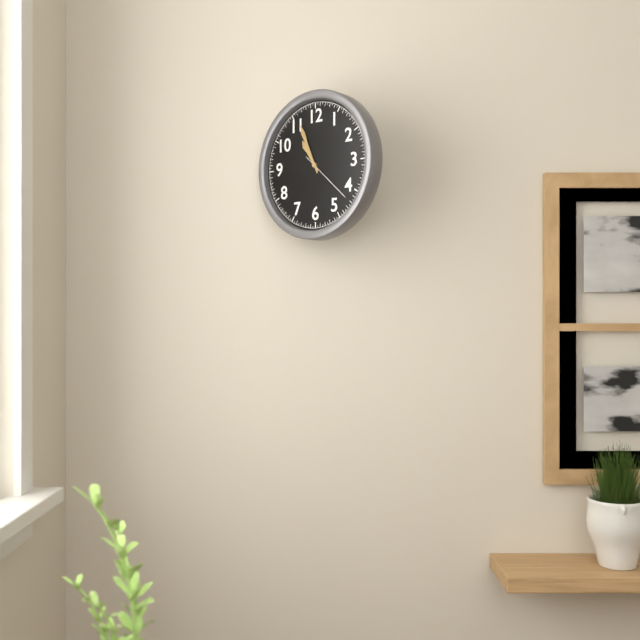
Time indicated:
10h56
